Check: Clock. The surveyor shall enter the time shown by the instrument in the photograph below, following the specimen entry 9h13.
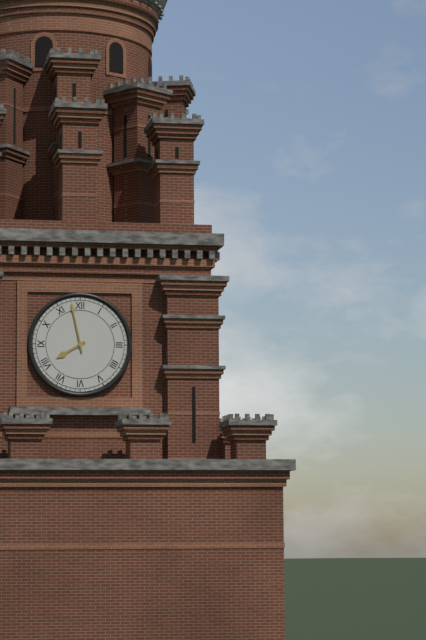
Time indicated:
7h58
